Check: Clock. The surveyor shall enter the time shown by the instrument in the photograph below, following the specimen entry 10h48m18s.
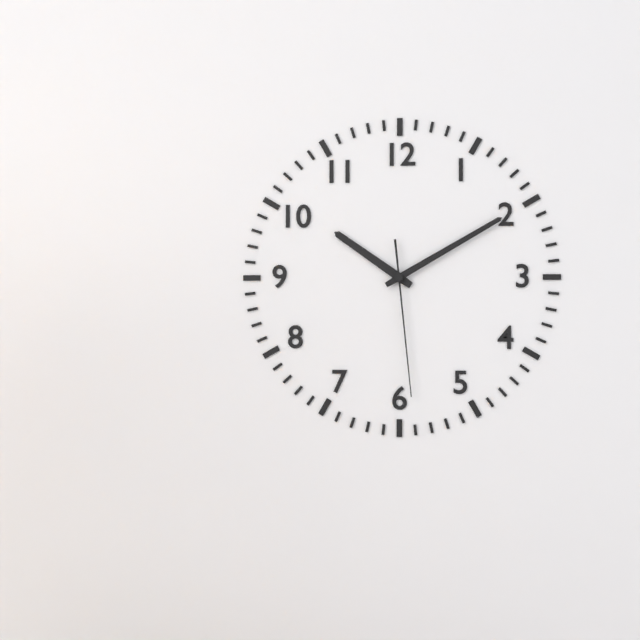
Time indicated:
10h10m29s
